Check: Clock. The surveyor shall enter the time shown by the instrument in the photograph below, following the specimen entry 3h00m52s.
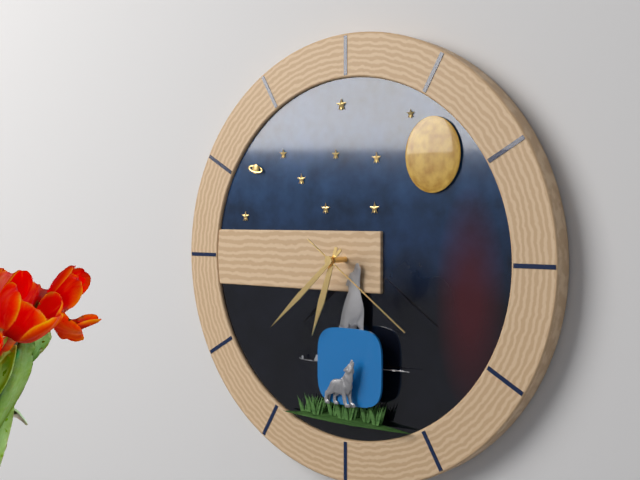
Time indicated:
6h38m21s
